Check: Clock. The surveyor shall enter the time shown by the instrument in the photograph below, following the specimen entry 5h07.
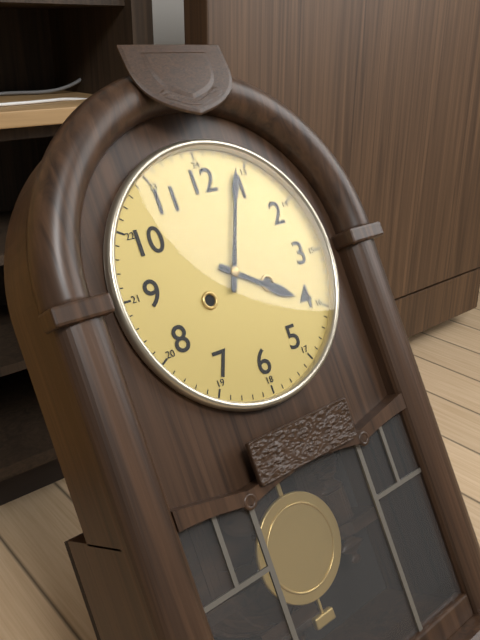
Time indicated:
4h04
